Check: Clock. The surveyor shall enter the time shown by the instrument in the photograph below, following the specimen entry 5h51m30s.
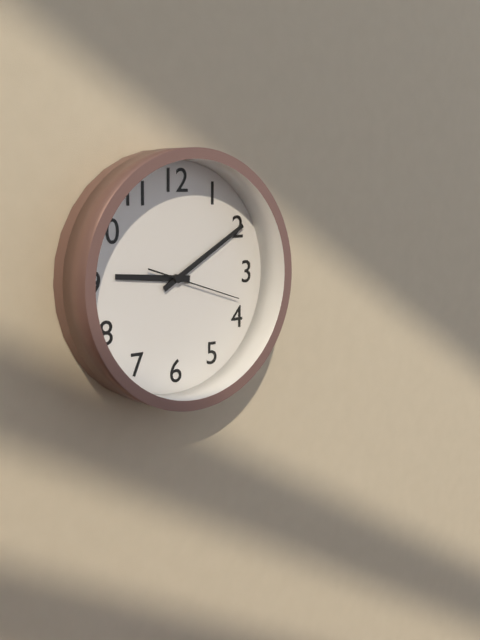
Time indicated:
9h10m18s
